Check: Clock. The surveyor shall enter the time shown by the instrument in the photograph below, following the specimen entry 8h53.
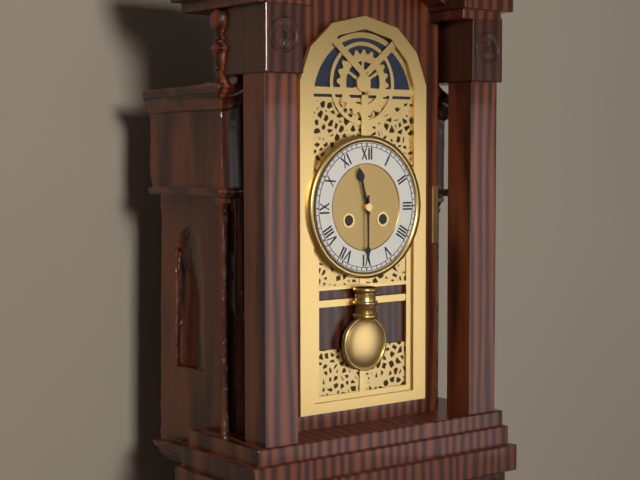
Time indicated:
11h30
